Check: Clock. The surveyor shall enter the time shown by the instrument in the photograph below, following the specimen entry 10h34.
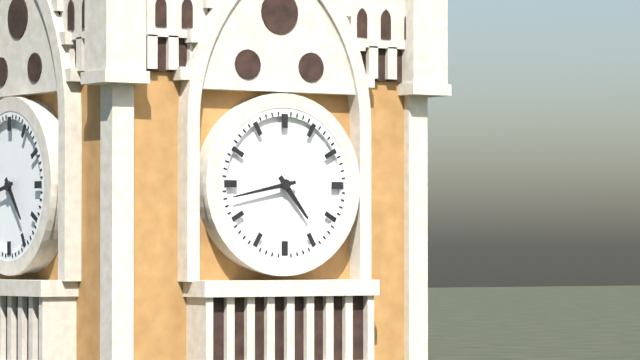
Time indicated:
4h43
